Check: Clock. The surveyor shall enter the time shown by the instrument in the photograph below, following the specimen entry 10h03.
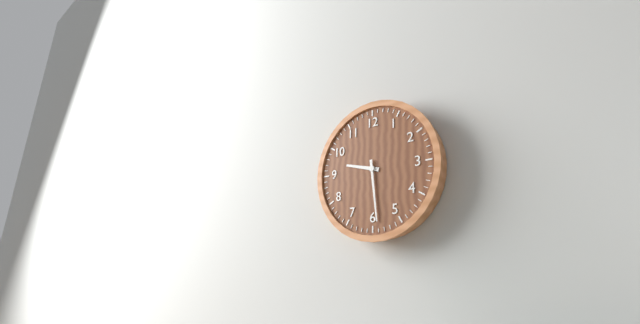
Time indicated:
9h29
